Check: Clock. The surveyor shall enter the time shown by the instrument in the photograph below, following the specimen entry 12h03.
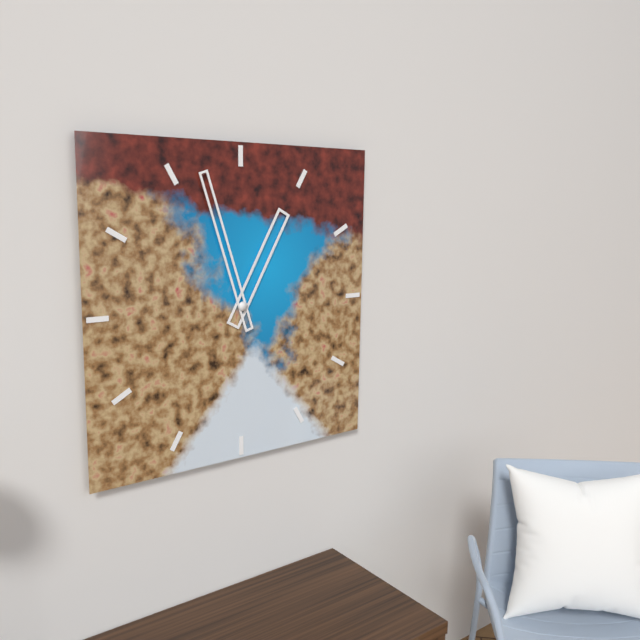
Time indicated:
12h57
